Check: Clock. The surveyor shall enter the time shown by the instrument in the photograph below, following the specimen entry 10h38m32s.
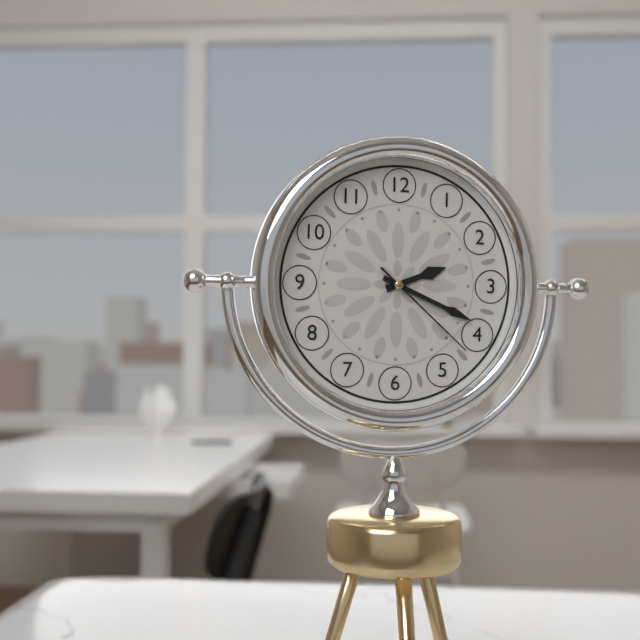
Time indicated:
2h19m22s
